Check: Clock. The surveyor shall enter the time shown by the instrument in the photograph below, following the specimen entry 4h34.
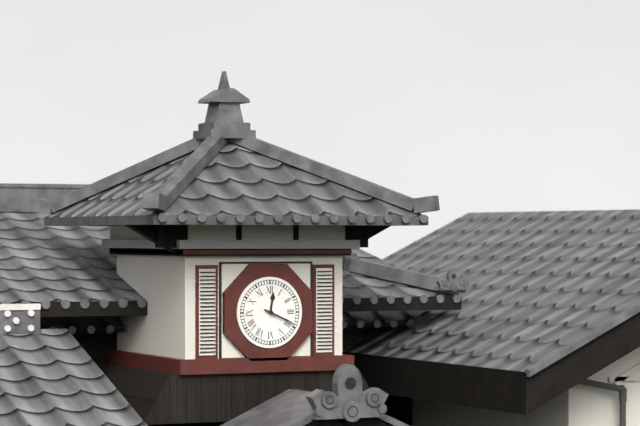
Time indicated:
12h19
